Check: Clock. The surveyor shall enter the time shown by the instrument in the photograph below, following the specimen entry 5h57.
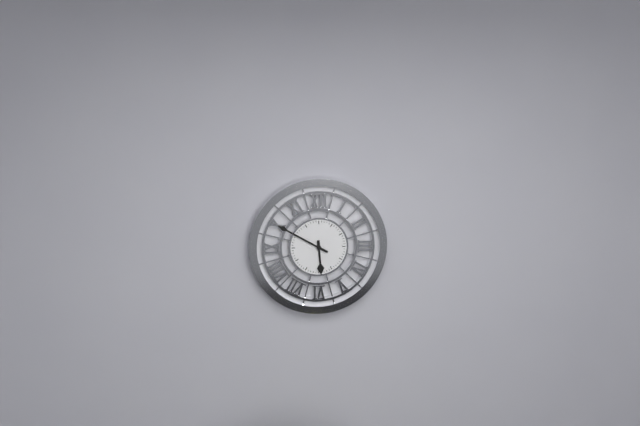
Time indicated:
5h50
